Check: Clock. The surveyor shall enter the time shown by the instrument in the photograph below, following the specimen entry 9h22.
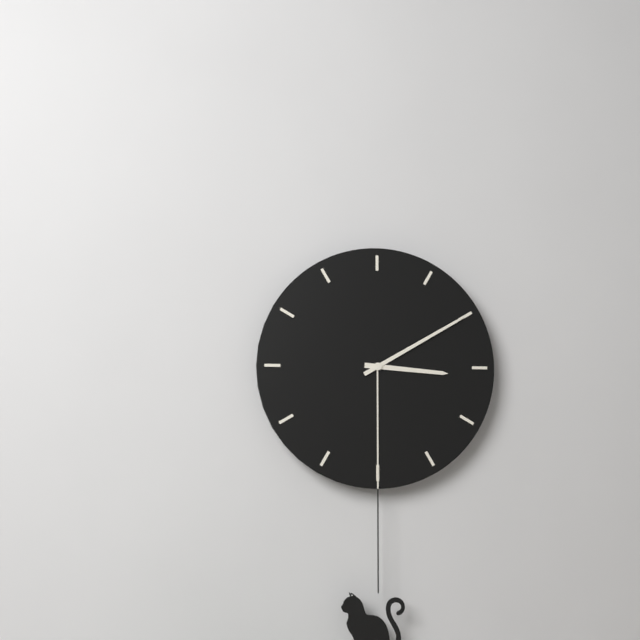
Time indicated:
3h10
